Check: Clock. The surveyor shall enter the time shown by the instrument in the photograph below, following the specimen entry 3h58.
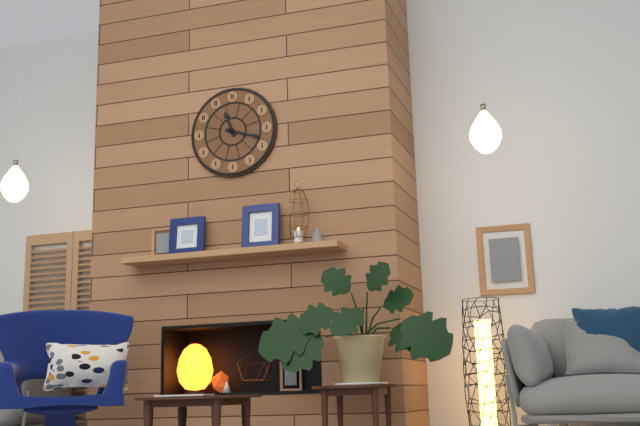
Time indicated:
11h18
